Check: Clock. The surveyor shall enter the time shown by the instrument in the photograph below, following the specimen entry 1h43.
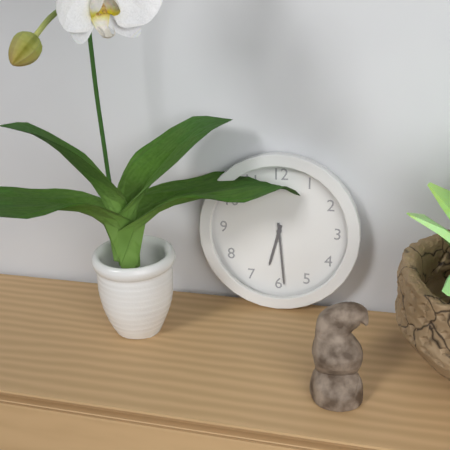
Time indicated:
6h29
